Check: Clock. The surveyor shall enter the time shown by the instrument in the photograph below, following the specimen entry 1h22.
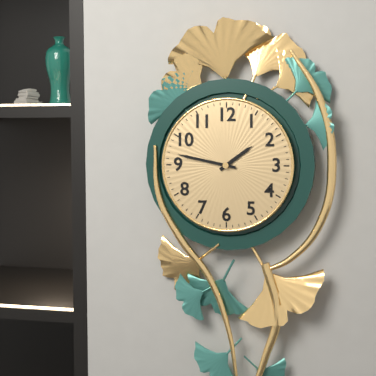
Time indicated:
1h47
